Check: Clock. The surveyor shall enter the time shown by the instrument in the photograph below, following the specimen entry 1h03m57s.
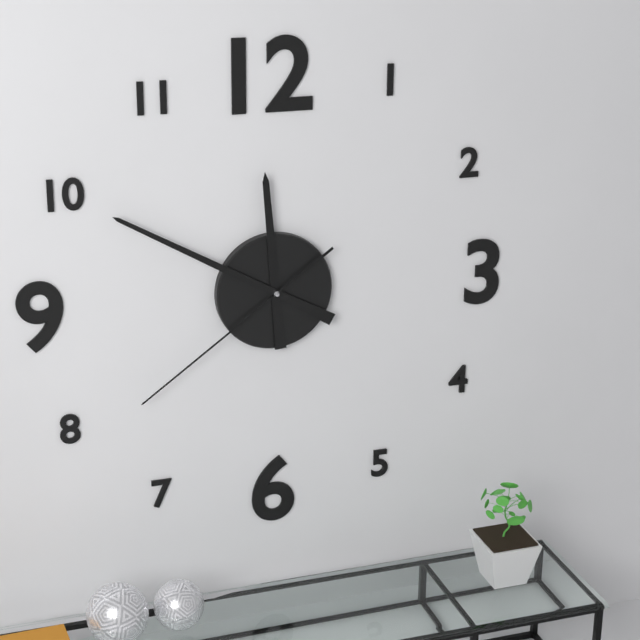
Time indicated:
11h50m39s
